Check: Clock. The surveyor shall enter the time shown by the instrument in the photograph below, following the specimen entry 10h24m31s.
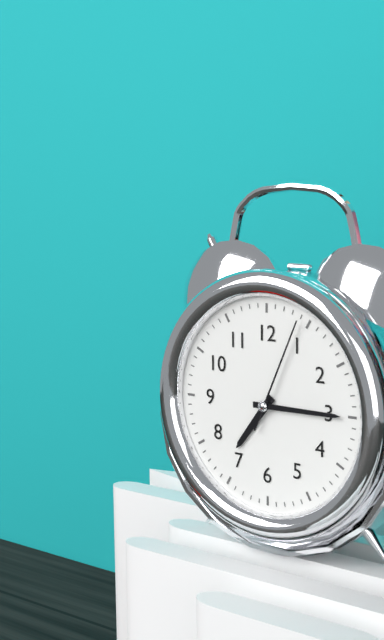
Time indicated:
7h15m04s
